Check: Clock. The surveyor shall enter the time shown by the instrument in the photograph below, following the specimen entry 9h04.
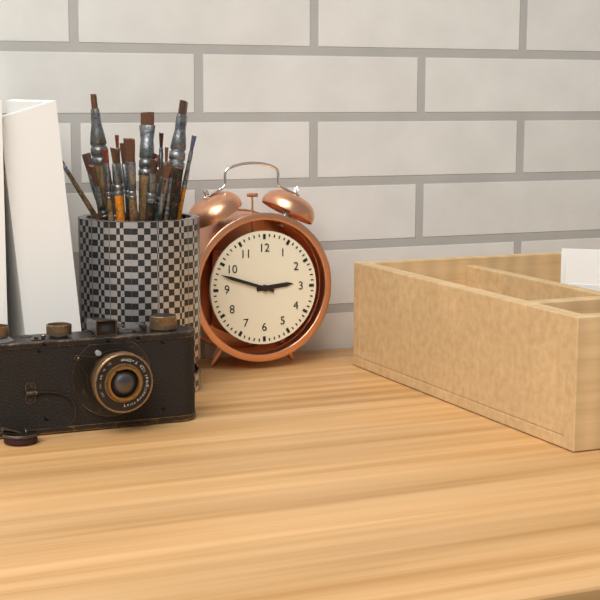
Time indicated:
2h48
